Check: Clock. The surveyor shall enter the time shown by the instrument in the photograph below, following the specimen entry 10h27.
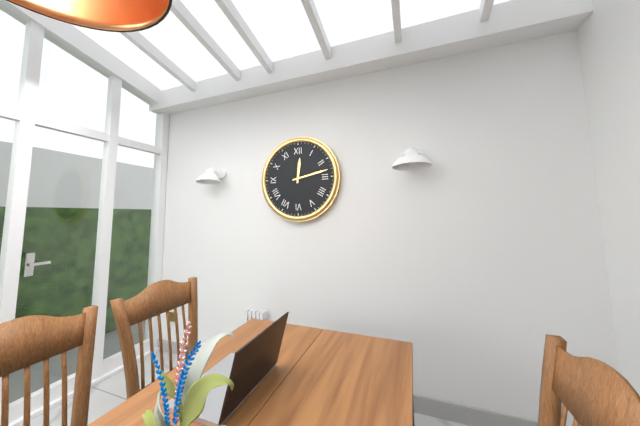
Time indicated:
12h13
